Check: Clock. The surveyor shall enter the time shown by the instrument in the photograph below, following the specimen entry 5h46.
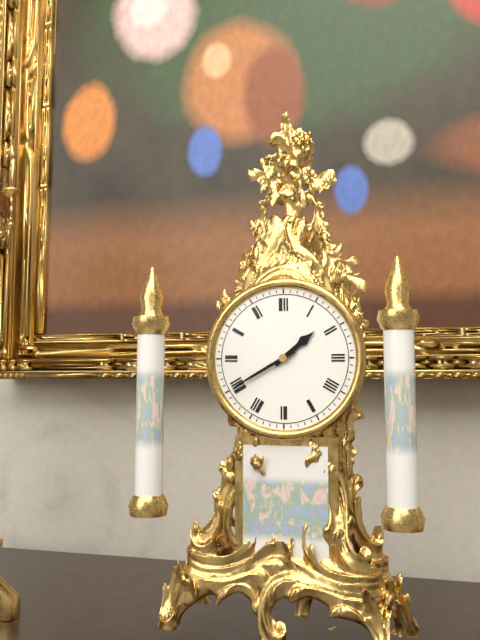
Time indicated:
1h40
